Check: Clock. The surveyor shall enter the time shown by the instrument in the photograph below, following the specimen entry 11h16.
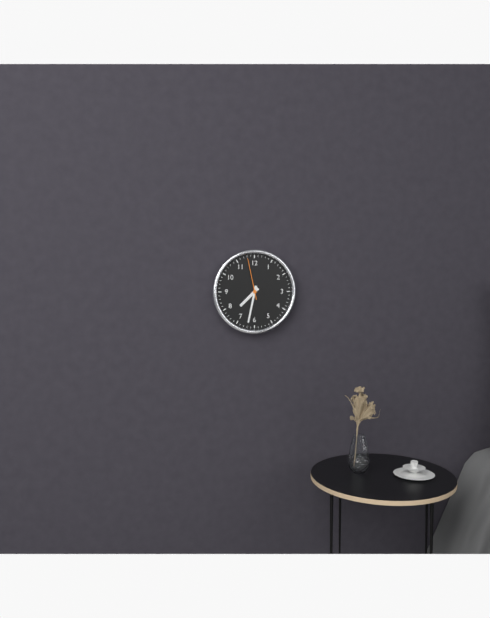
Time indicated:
7h32
